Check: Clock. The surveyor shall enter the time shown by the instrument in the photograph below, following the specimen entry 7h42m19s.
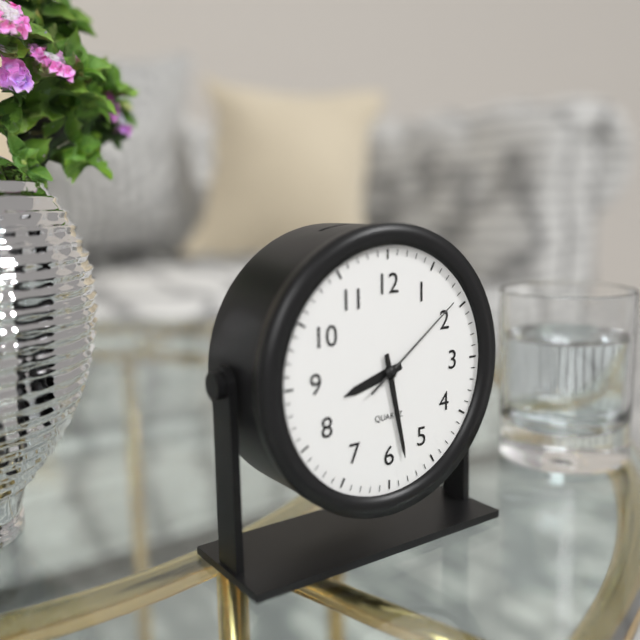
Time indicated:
8h28m09s
